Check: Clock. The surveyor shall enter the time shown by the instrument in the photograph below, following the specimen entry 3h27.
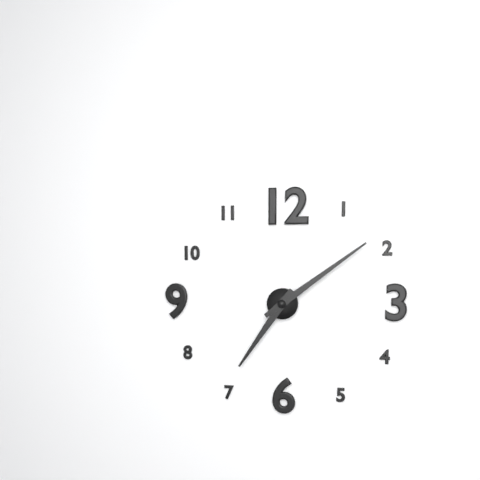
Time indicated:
7h09
